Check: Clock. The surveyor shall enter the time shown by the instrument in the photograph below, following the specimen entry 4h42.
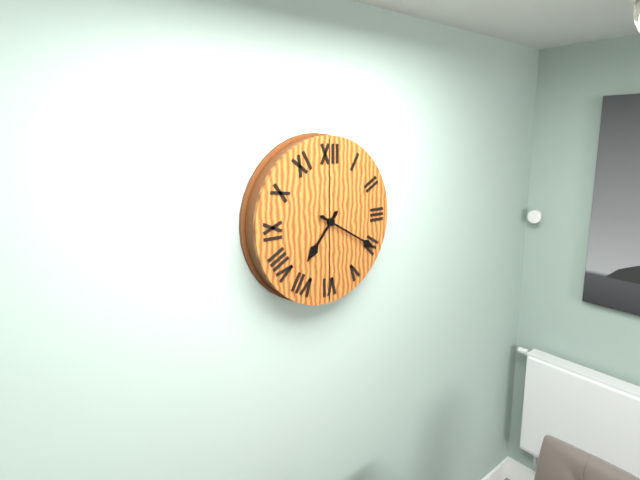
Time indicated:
7h20
